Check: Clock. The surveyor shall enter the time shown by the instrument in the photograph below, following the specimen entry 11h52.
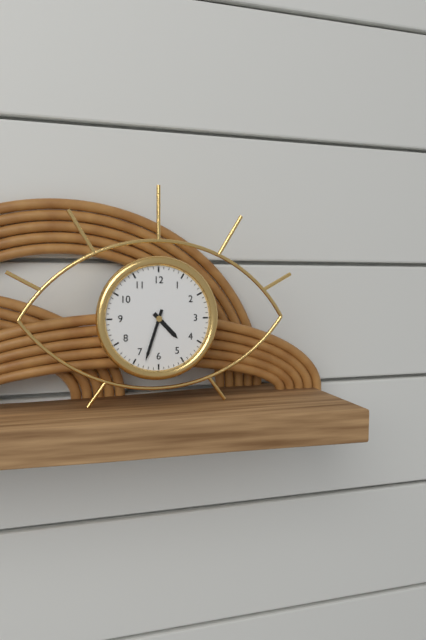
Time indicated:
4h33
